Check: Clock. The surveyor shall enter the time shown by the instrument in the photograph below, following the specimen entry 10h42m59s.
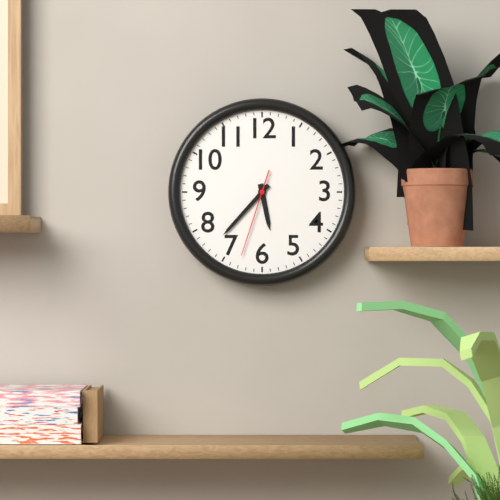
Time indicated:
5h37m33s
